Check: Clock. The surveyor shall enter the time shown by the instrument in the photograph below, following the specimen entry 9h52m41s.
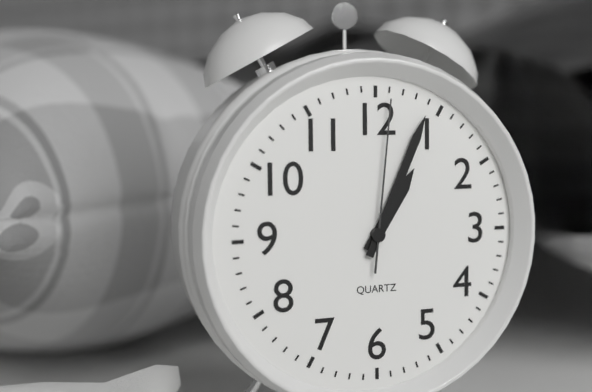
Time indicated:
1h04m01s
